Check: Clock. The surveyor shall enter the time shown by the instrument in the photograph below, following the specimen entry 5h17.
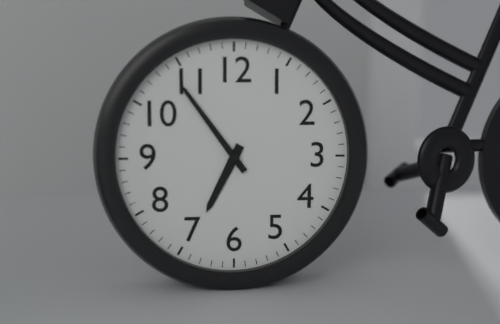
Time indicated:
6h54
